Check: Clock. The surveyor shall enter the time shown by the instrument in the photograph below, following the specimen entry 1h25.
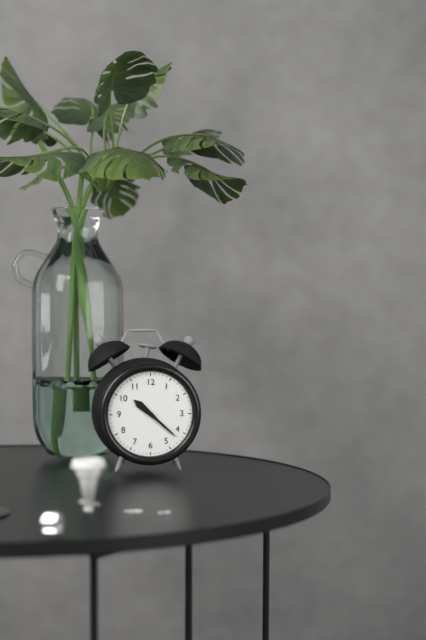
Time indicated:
10h22
